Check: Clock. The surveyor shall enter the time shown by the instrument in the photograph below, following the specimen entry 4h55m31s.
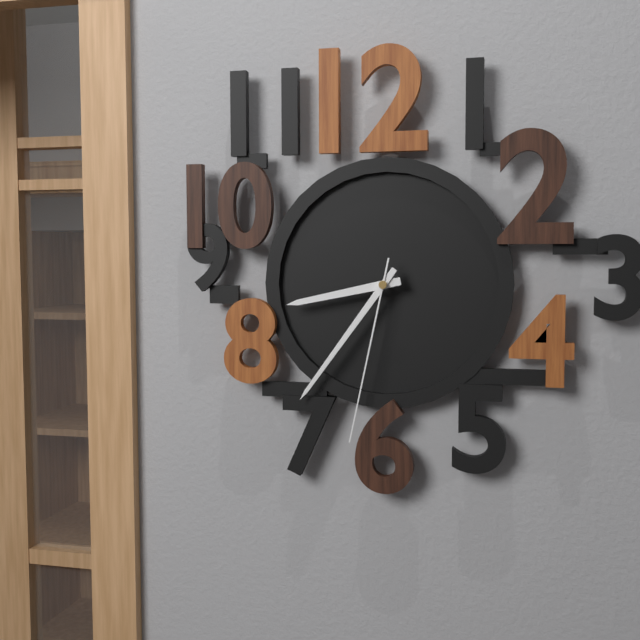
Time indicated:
8h36m32s
